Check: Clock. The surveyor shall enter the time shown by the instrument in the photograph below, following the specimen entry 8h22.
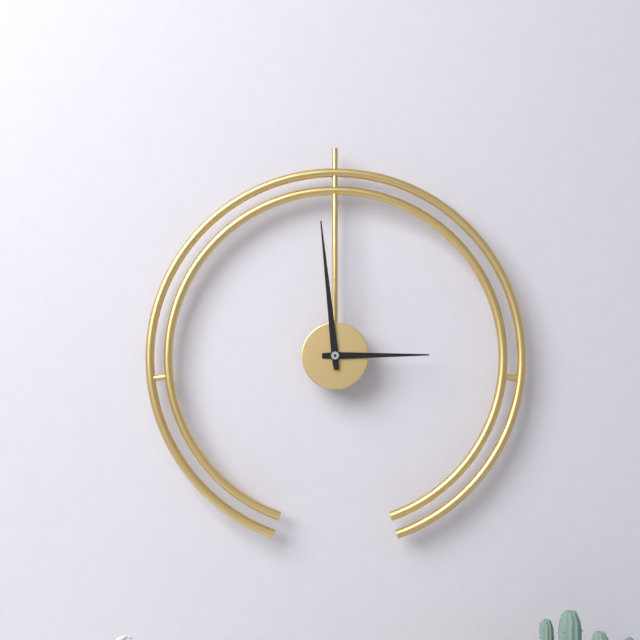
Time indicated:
2h59
